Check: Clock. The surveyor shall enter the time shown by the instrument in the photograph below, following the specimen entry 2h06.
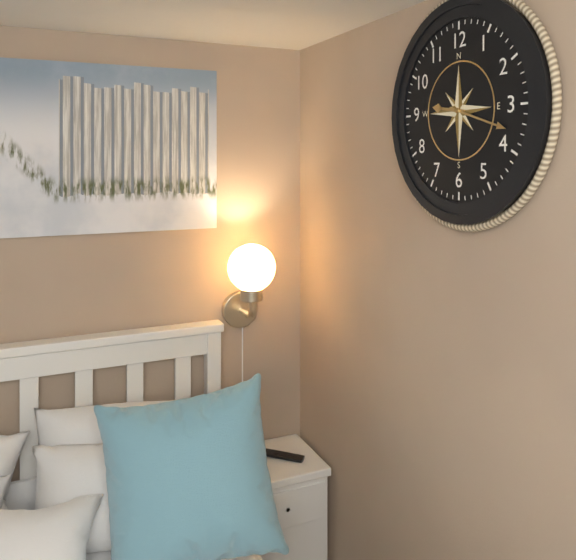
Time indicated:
9h18
